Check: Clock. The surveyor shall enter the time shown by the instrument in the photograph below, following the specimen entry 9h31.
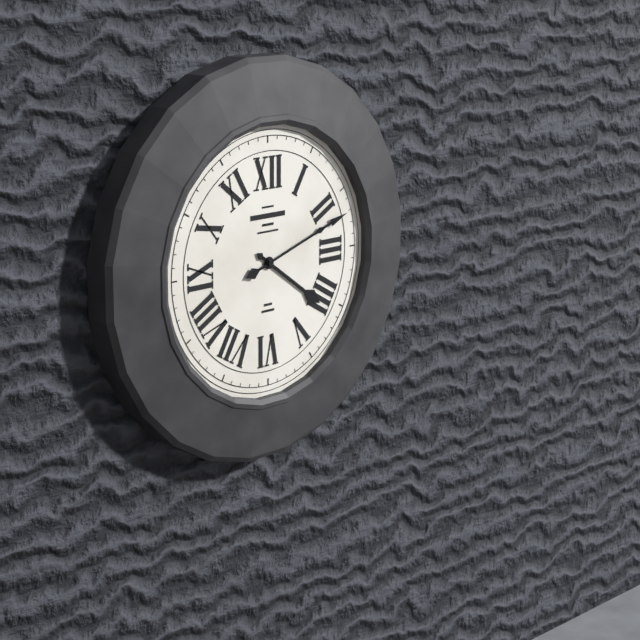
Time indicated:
4h12
